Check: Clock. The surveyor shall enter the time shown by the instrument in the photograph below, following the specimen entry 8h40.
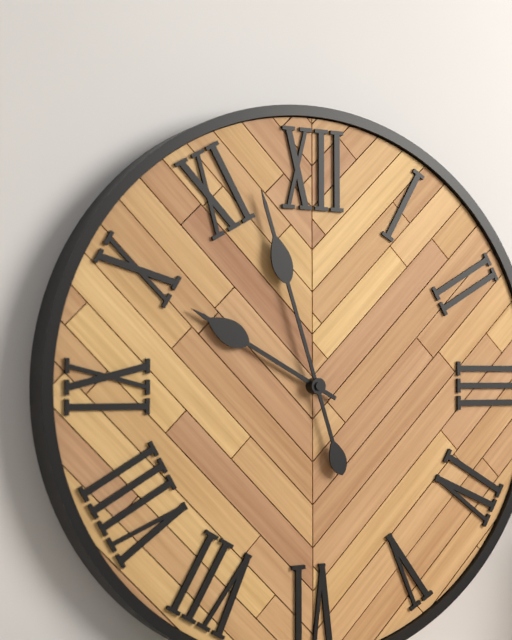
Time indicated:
9h57
